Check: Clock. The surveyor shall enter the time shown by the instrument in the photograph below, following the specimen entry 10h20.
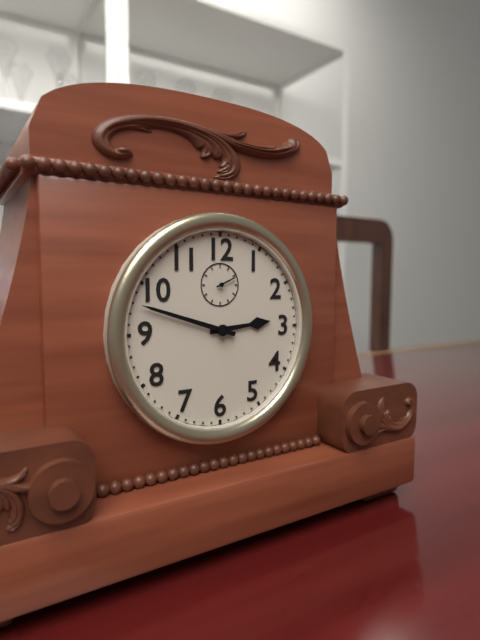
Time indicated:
2h48
